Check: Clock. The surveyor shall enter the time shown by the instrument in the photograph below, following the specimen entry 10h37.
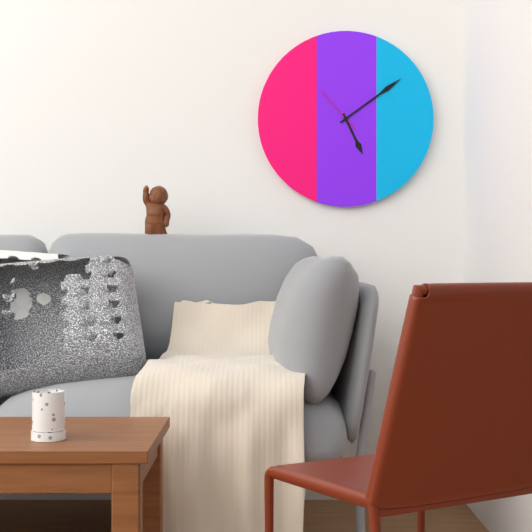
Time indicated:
5h09
